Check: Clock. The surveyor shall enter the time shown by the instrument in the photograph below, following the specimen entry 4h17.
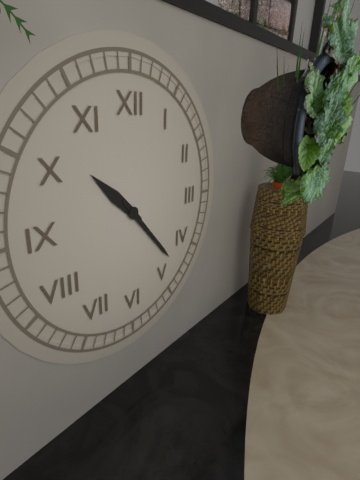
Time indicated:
10h23
